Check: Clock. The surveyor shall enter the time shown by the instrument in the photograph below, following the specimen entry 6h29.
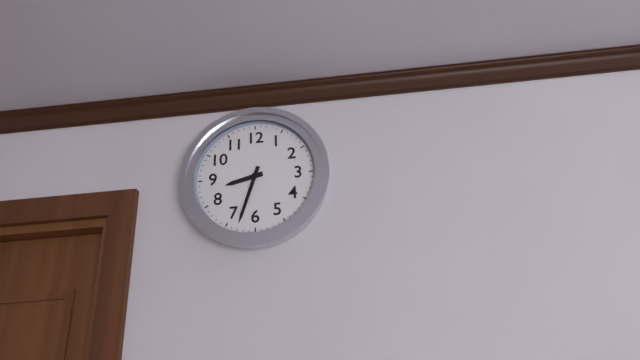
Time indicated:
8h33
